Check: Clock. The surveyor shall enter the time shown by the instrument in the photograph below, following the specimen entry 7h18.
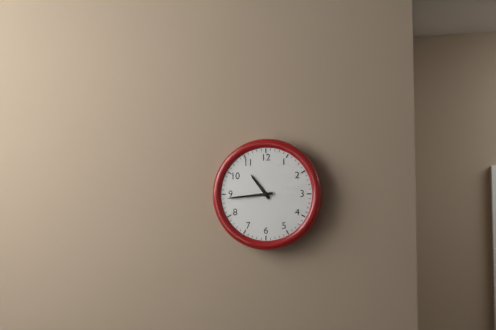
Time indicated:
10h44
